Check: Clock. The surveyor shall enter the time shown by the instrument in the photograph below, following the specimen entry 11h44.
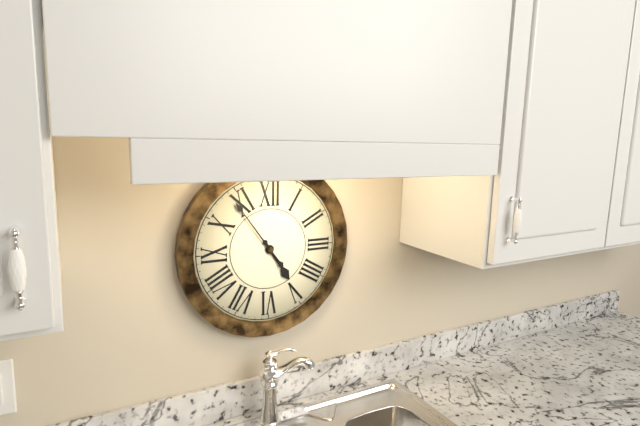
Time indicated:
4h54
